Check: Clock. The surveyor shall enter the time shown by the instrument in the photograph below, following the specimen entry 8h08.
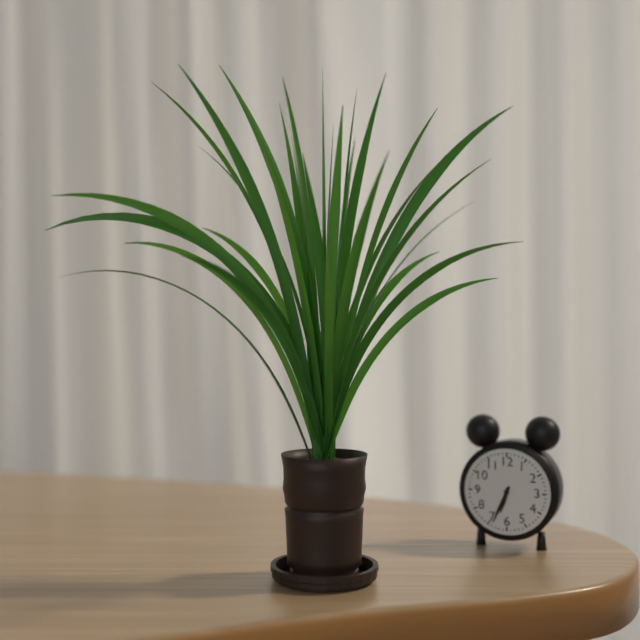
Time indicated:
6h34
